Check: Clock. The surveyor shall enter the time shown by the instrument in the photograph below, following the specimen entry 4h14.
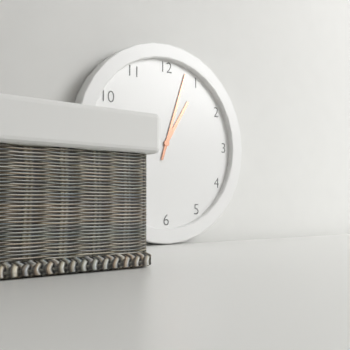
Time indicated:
1h03
